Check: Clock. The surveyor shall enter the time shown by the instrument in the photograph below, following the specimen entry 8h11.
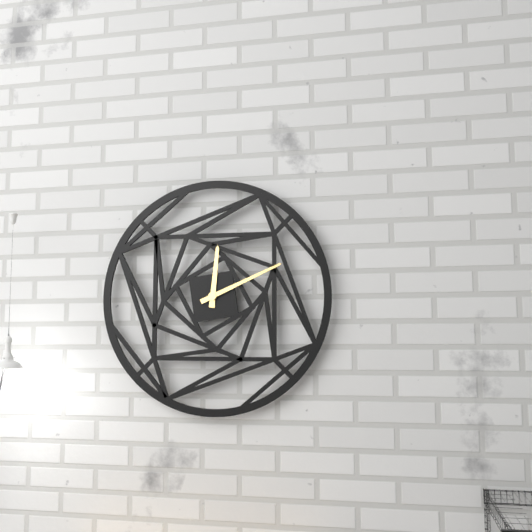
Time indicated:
12h11
